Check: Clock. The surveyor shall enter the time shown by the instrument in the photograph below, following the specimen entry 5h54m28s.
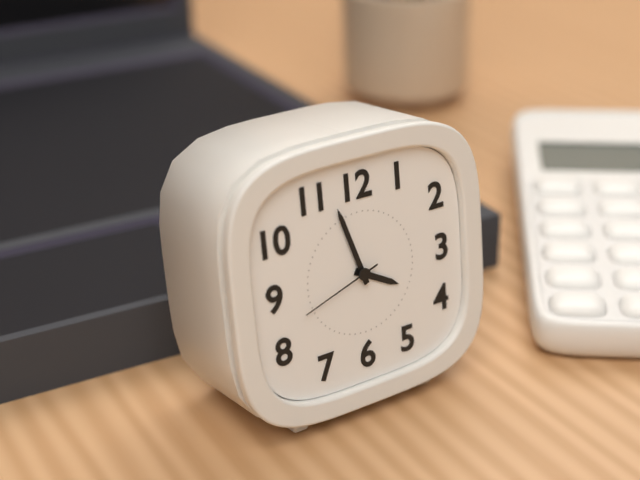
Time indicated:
3h57m42s
